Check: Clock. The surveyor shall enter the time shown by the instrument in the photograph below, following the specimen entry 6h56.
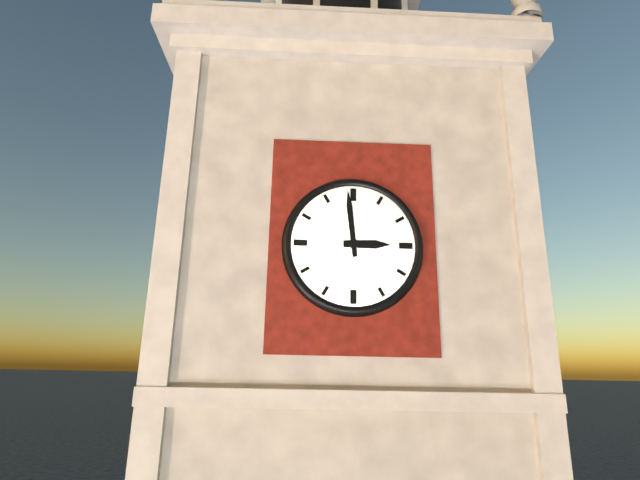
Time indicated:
2h59
